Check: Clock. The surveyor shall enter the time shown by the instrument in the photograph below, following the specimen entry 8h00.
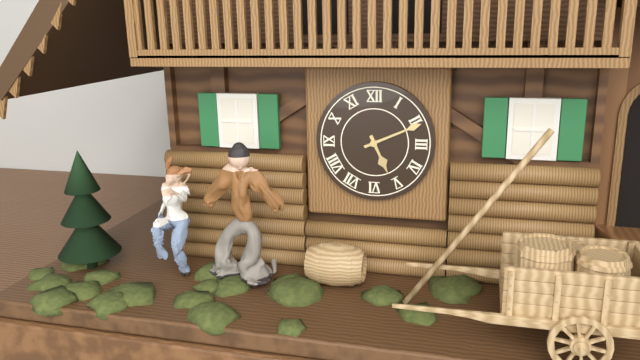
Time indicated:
5h11
